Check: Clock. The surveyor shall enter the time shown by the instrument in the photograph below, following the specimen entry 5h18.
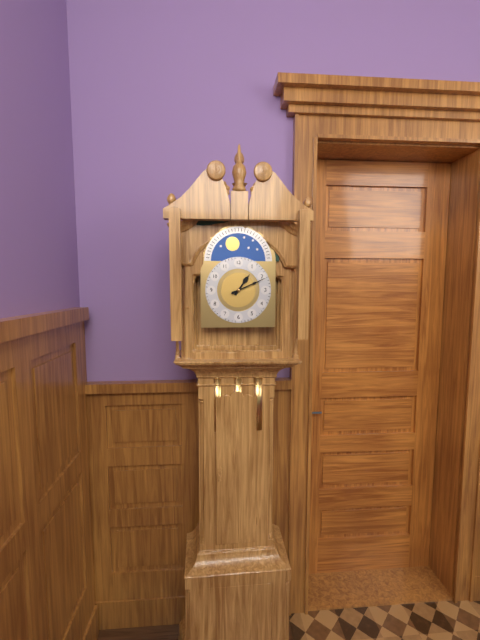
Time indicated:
1h11
